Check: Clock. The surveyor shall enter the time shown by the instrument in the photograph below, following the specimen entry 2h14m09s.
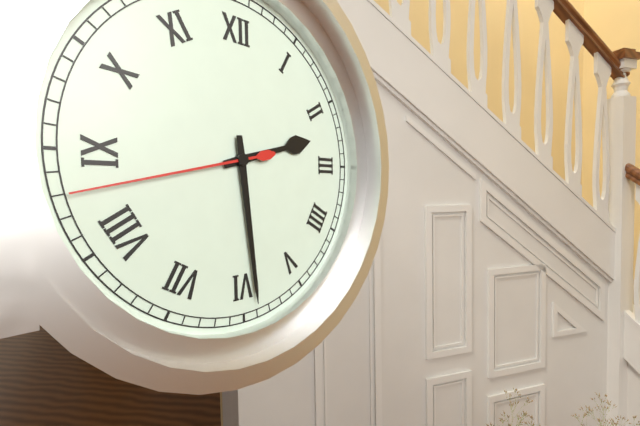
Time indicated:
2h29m43s
